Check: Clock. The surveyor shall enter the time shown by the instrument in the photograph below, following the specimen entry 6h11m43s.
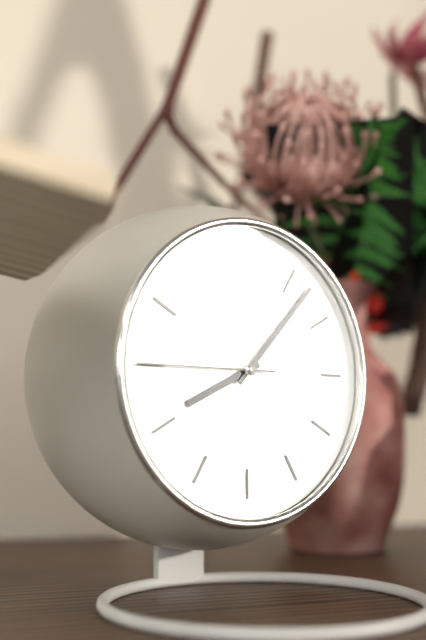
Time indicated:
8h07m45s
